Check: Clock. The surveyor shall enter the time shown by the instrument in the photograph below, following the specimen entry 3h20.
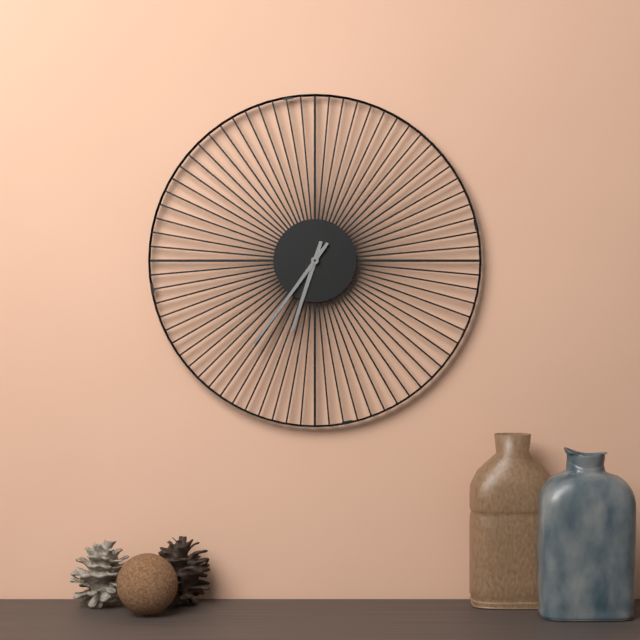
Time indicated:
6h36
